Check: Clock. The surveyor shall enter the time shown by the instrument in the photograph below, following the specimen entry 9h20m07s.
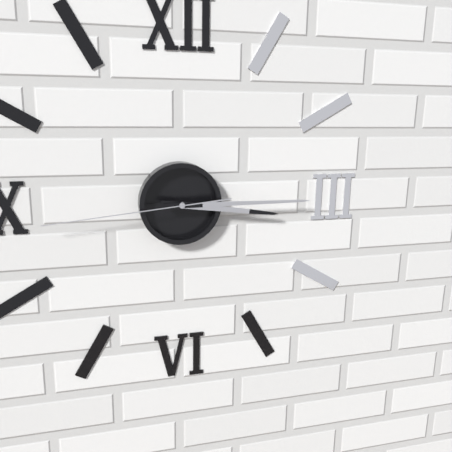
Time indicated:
3h15m44s
